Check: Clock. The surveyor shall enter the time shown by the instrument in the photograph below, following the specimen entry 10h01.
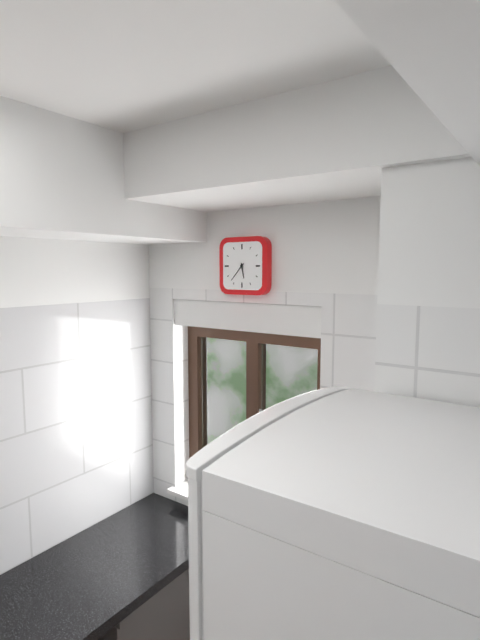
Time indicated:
5h37
